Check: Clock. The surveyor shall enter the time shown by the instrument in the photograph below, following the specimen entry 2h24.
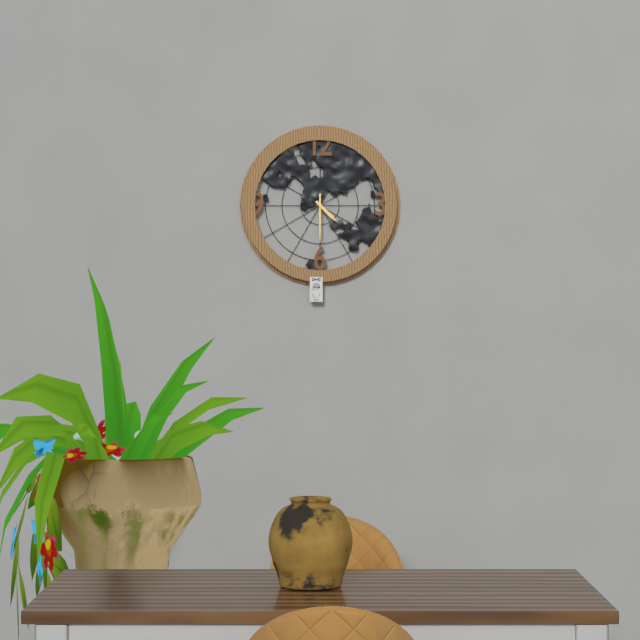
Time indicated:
4h30
